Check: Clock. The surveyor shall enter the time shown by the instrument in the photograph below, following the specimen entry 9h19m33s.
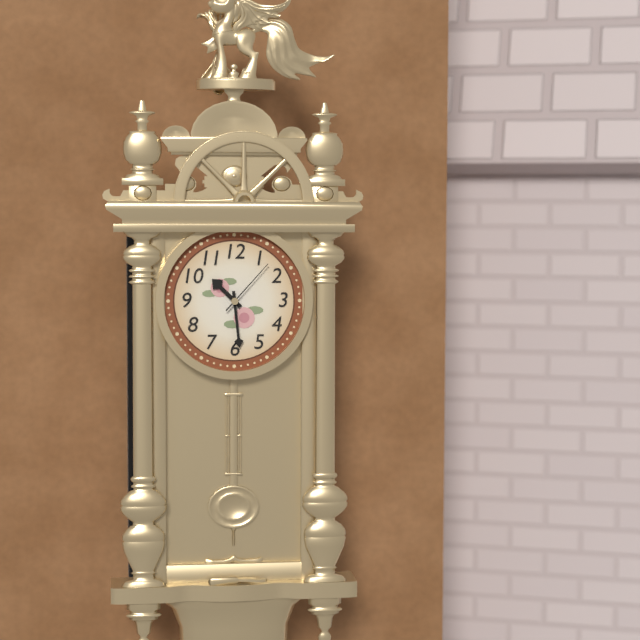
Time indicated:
10h29m07s
